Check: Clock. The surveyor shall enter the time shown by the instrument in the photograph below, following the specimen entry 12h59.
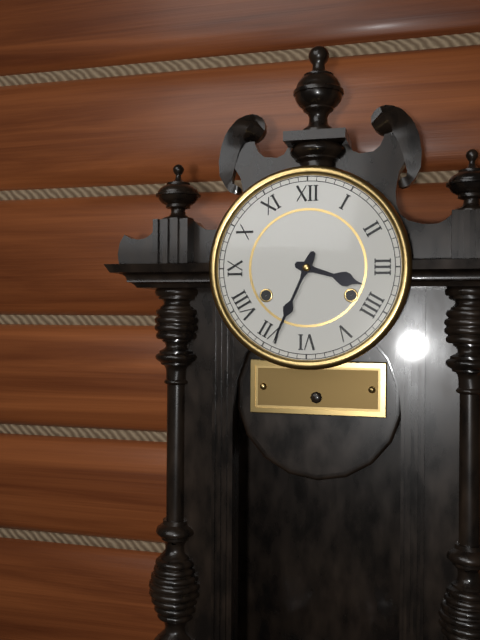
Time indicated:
3h34
